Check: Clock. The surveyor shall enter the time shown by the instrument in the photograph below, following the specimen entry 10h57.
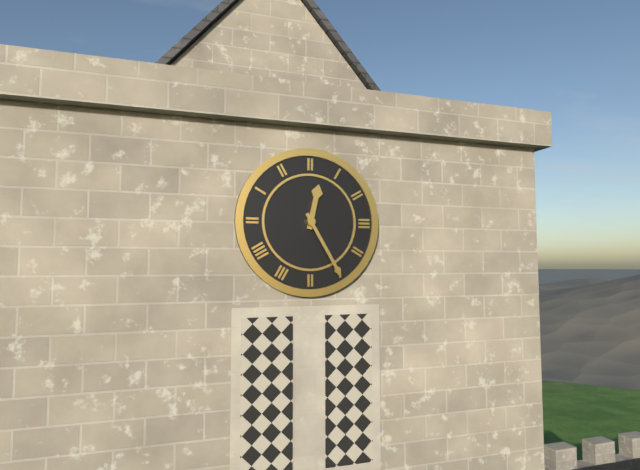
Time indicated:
12h25
